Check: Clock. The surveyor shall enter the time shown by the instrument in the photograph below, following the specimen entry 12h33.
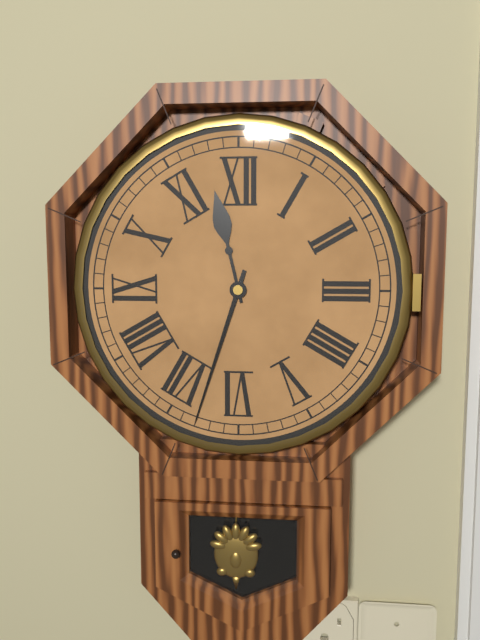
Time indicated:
11h33
